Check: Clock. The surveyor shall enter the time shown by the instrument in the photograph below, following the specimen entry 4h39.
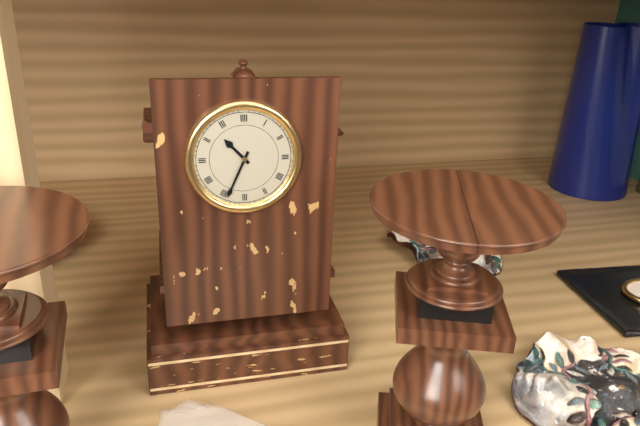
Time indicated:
10h34
